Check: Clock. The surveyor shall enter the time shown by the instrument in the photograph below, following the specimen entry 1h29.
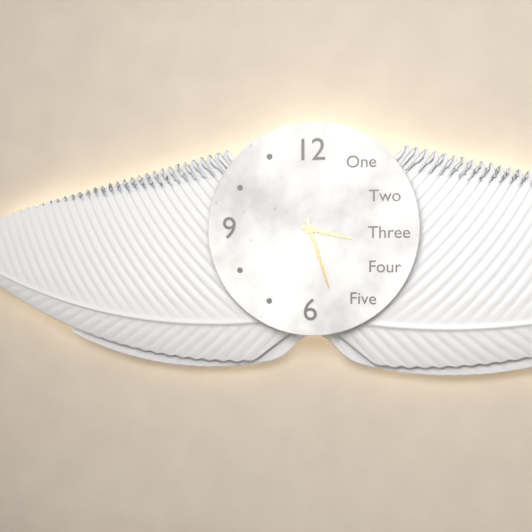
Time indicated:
3h27
